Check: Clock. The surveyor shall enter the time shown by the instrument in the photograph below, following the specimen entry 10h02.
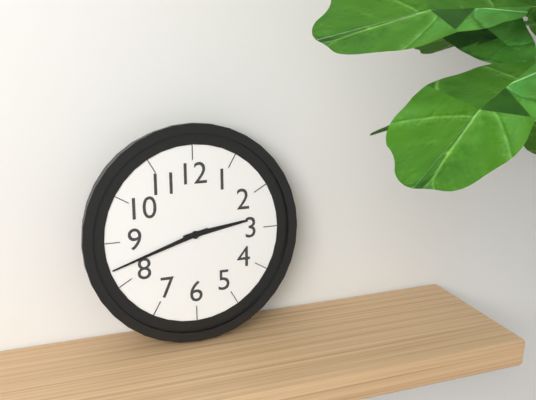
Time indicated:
2h42
